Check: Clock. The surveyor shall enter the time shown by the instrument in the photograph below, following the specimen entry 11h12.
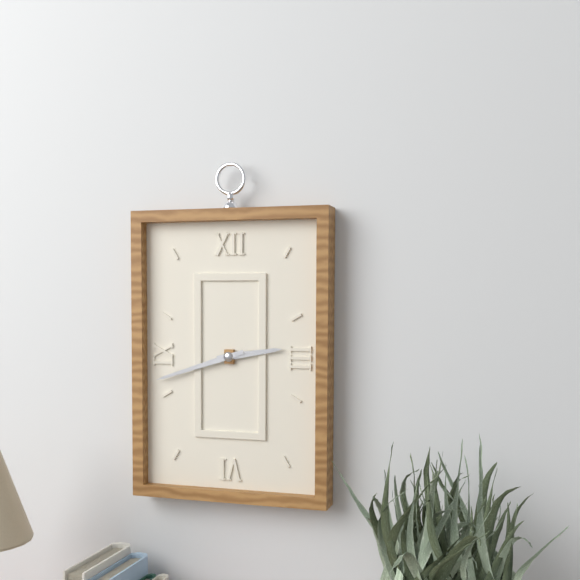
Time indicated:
2h42
